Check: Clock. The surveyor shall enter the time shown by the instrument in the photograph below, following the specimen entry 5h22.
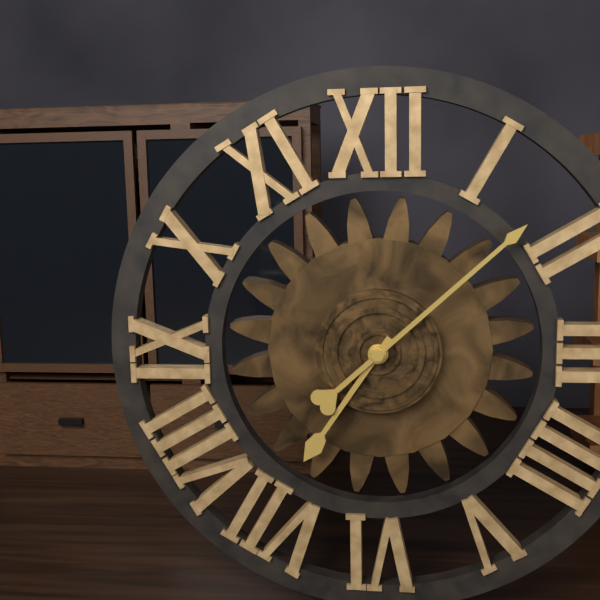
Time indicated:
7h08
